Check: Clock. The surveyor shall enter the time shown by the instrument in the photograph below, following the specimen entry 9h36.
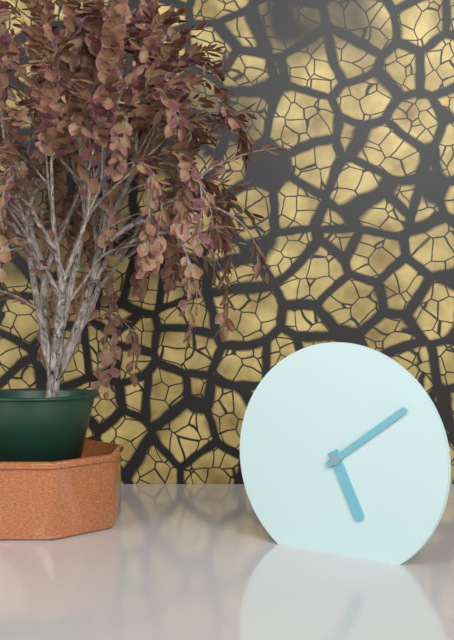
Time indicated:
5h09
